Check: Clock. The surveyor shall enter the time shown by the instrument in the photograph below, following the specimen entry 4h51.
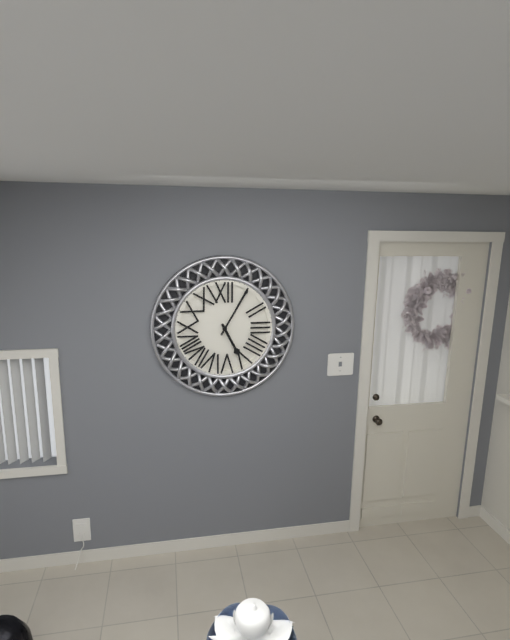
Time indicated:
5h05
